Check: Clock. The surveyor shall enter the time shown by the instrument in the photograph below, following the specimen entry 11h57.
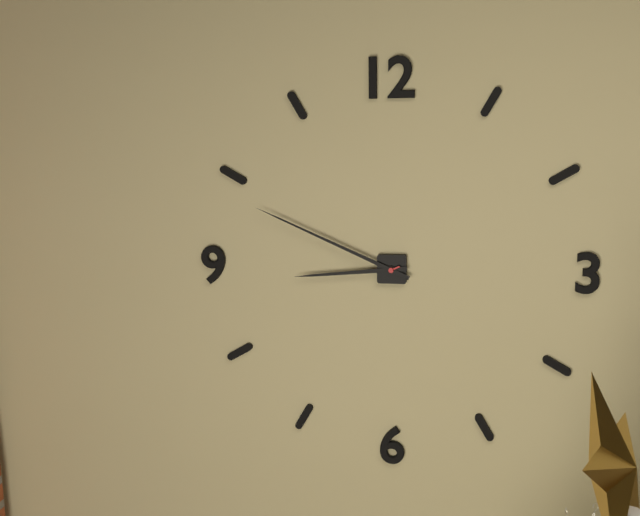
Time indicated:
8h49
